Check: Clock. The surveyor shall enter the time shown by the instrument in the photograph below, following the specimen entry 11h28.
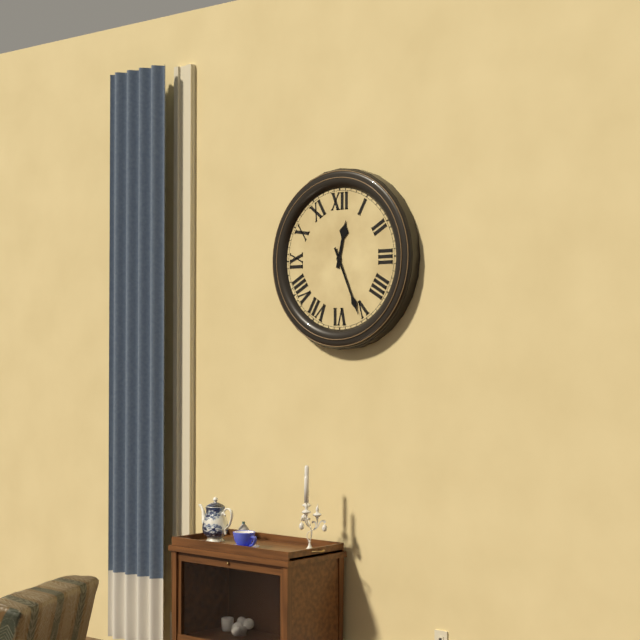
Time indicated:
12h26
